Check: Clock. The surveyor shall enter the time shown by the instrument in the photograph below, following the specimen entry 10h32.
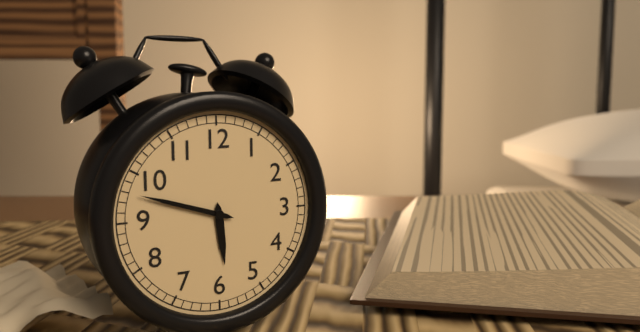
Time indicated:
5h48
